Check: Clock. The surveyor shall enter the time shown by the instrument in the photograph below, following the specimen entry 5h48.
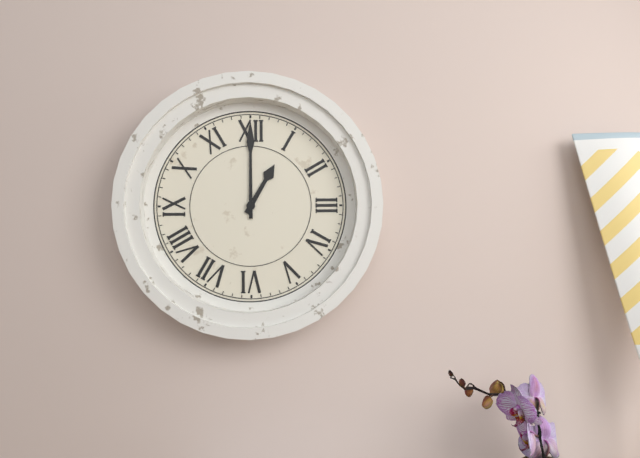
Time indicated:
1h00
